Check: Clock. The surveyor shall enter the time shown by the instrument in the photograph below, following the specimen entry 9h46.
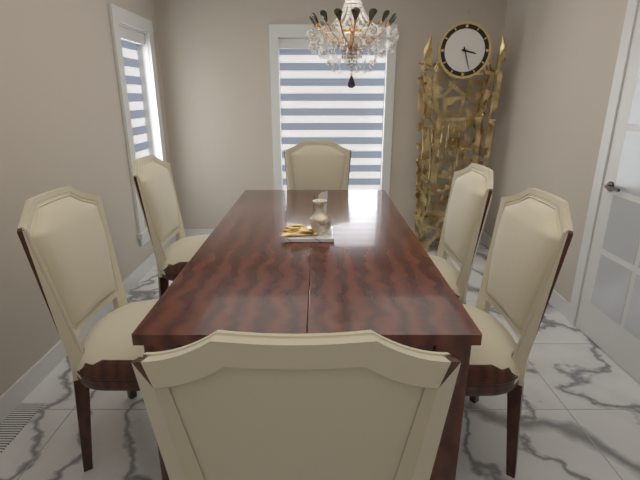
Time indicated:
3h27
